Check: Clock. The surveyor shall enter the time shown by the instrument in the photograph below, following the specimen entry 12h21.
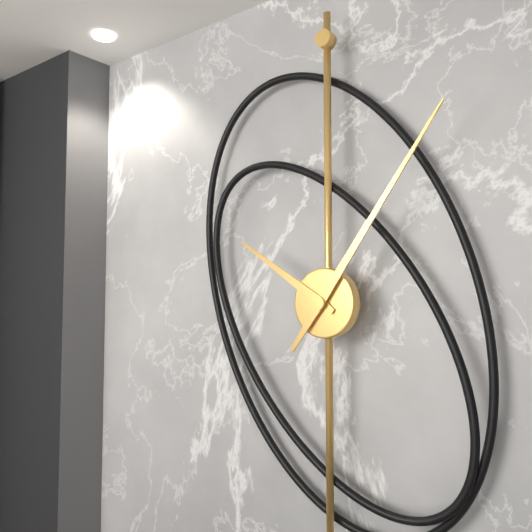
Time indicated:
10h06
